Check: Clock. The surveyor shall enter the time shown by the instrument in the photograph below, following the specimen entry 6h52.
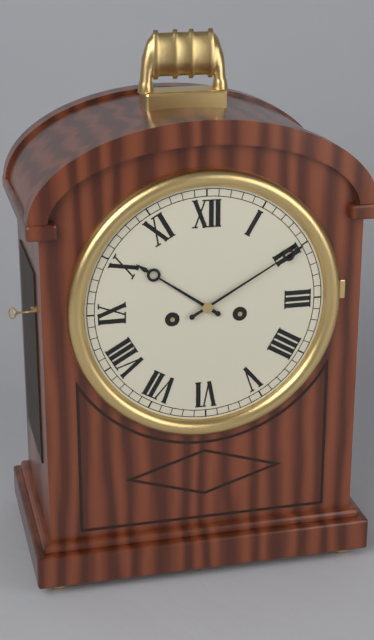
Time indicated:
10h10
